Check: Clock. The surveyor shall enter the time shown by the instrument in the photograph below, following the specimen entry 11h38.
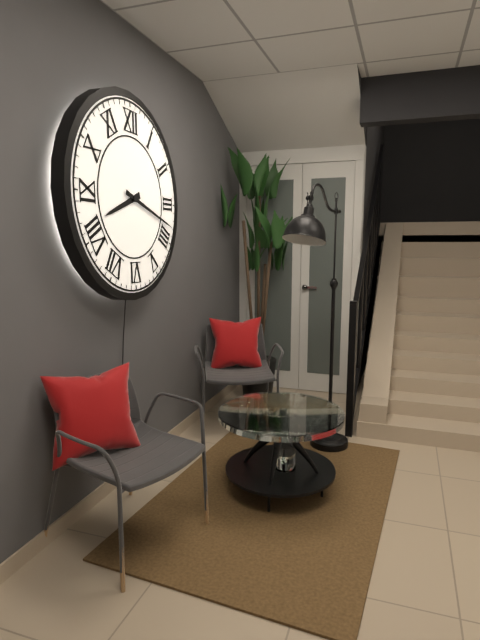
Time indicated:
8h18
